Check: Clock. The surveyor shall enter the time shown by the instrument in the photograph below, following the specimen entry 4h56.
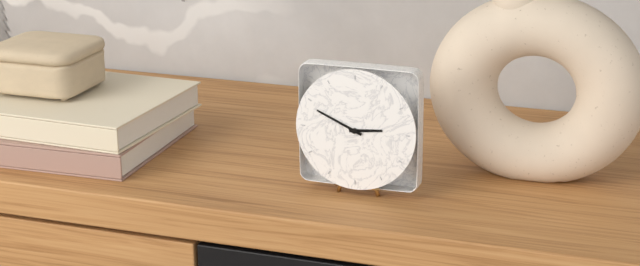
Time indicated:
2h49
